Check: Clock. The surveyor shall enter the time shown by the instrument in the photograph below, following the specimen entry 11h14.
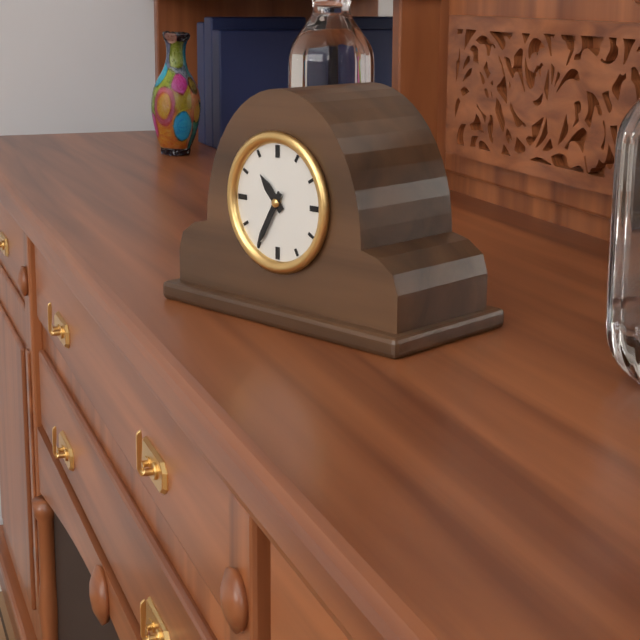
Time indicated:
10h35
